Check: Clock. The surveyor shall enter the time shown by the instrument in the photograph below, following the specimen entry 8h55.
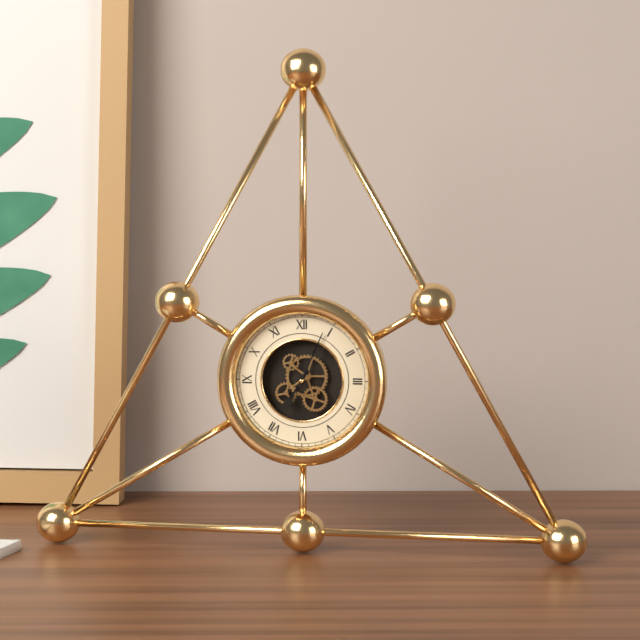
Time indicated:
7h04
